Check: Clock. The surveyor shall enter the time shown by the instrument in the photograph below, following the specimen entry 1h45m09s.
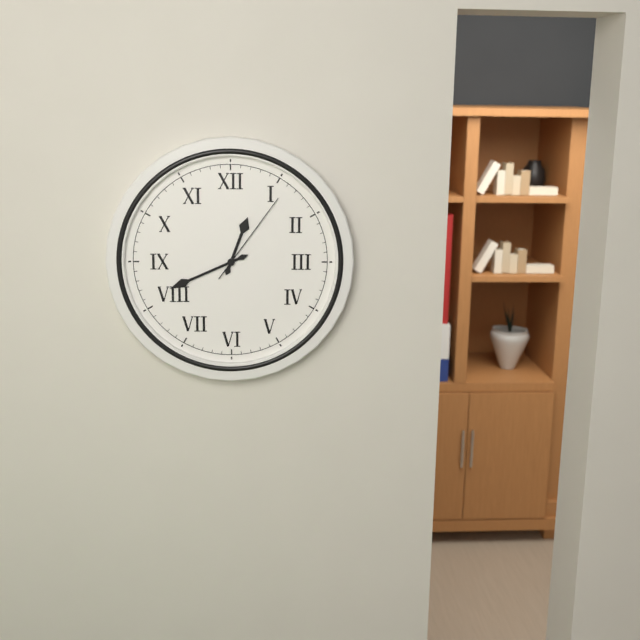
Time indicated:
12h41m06s
